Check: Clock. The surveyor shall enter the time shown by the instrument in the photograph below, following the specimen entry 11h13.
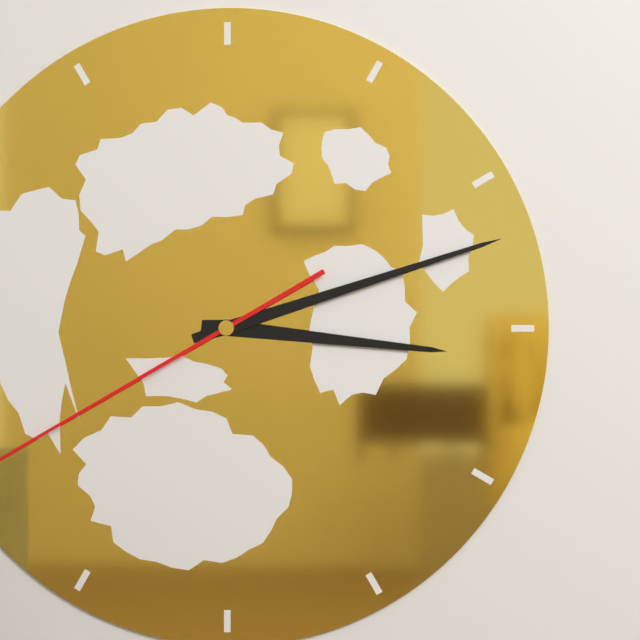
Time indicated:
3h12
